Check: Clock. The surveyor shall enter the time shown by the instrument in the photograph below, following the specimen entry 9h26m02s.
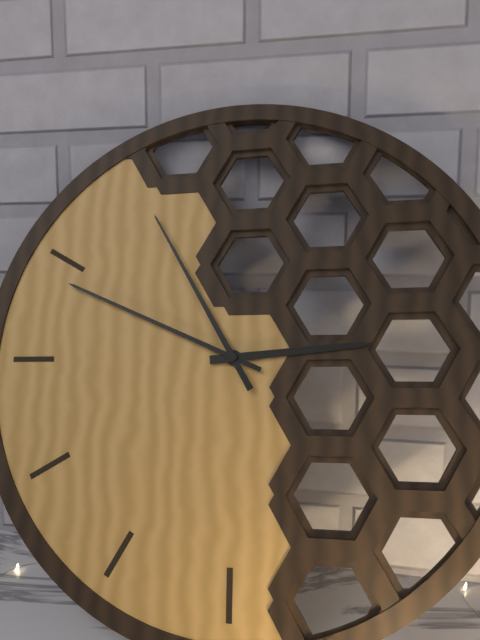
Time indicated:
2h49m55s
